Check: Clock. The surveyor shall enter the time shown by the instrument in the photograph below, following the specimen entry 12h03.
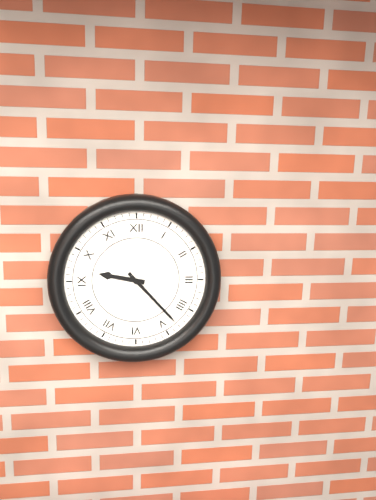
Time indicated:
9h23
